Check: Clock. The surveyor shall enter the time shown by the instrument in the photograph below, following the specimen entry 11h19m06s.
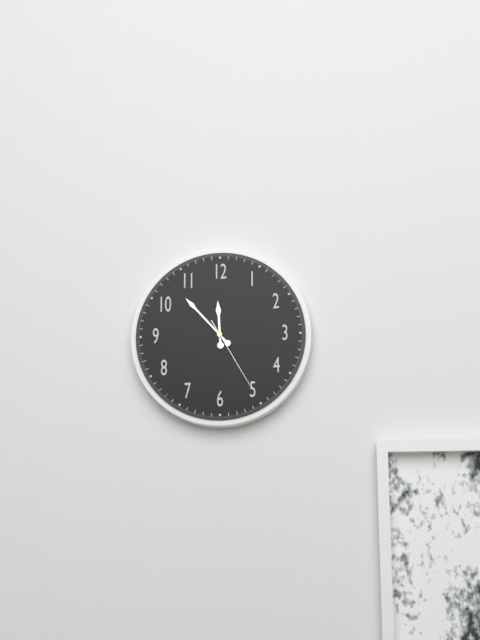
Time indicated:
11h53m25s
